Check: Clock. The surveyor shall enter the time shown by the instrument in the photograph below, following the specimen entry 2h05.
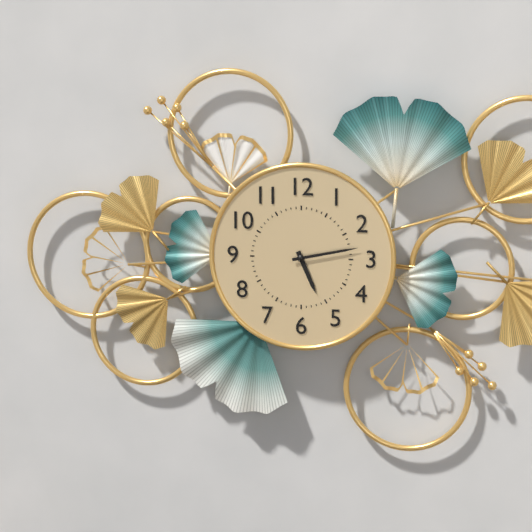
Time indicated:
5h13
